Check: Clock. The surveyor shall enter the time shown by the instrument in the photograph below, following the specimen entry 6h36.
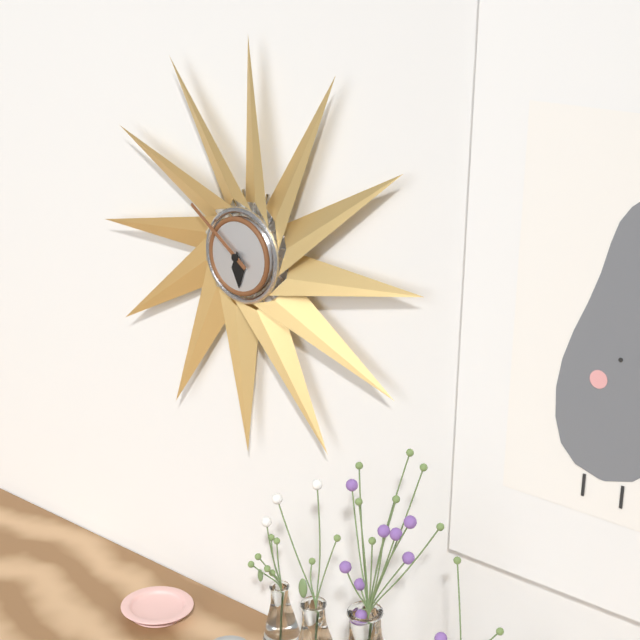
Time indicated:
5h51
